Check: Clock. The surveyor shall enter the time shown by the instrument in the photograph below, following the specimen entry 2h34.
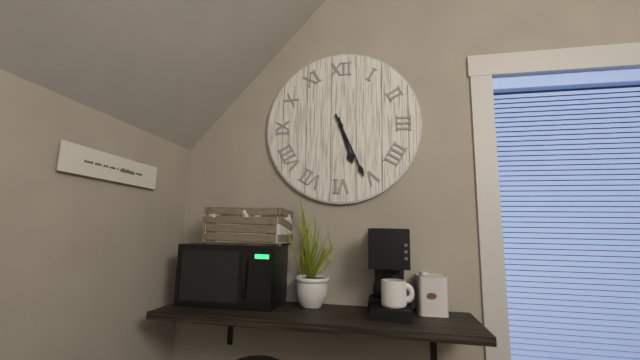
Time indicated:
5h26
